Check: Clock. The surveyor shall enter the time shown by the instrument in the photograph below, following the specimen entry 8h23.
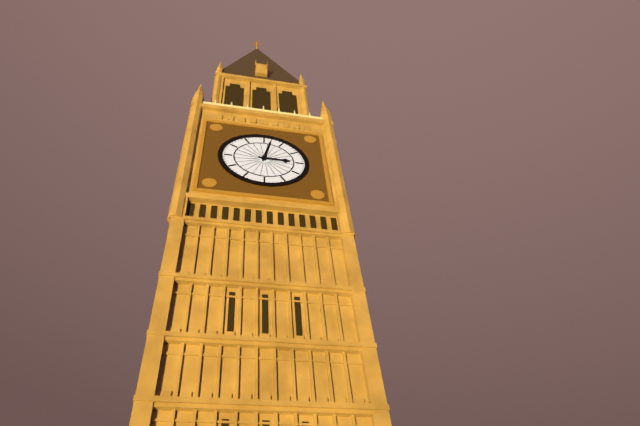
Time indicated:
3h02
